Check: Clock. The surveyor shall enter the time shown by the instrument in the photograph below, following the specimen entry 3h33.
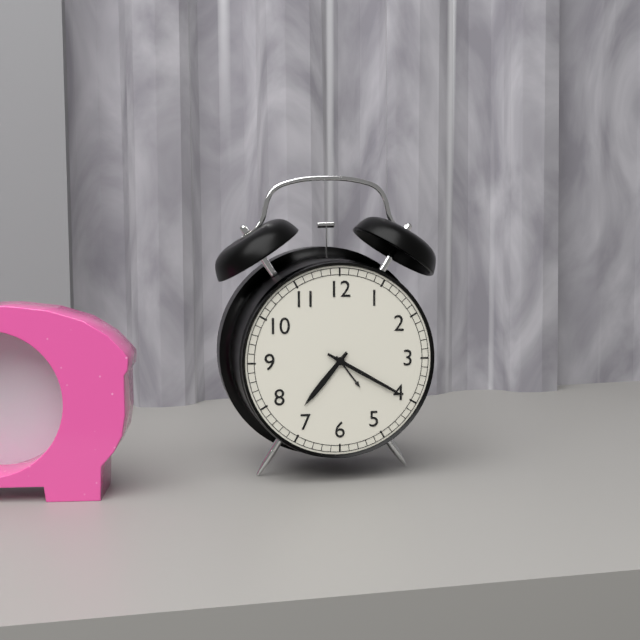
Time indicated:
7h20
